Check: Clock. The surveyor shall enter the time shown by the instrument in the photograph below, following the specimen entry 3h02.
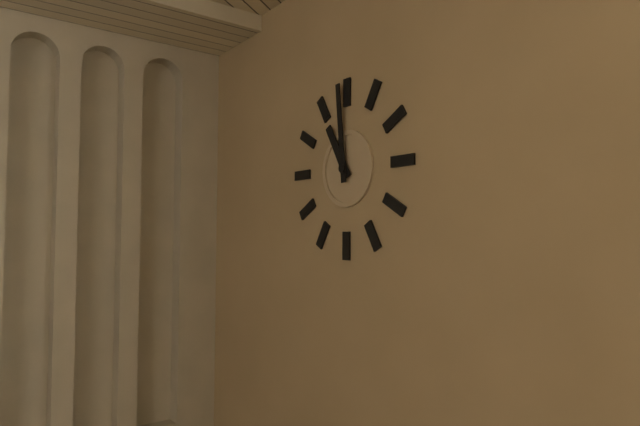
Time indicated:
10h59
